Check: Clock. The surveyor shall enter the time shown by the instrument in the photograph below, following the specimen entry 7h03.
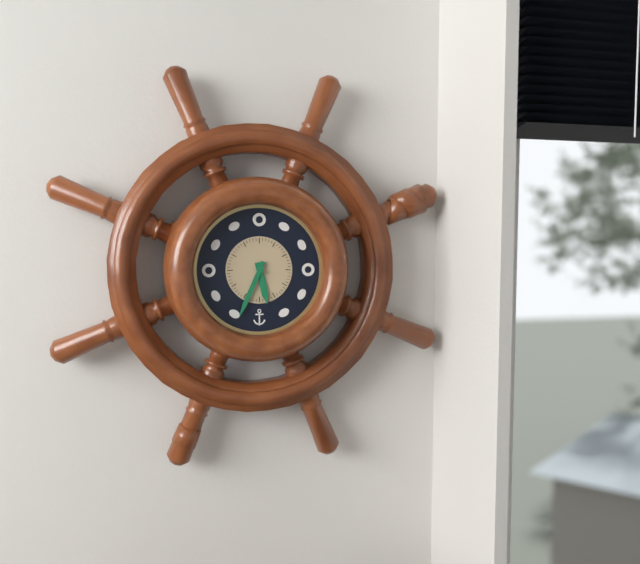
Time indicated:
5h34
